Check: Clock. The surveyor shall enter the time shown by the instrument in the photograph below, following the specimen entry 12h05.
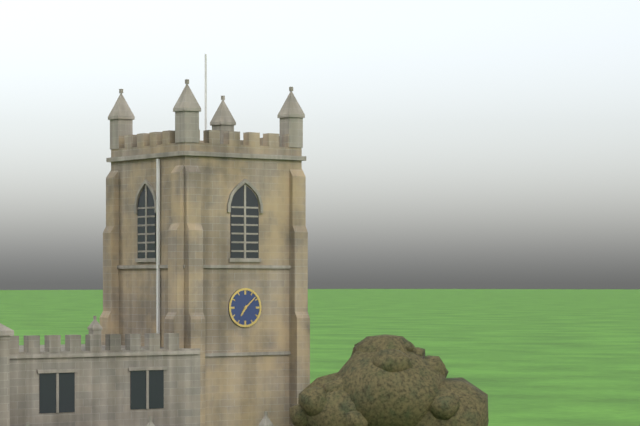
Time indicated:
7h08
